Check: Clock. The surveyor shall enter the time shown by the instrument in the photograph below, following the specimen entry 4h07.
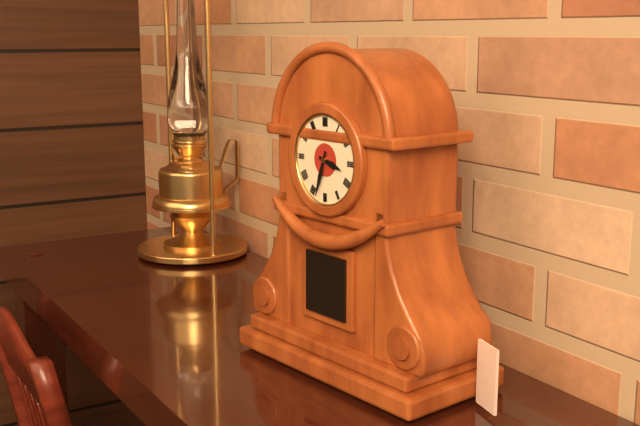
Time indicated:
3h33
